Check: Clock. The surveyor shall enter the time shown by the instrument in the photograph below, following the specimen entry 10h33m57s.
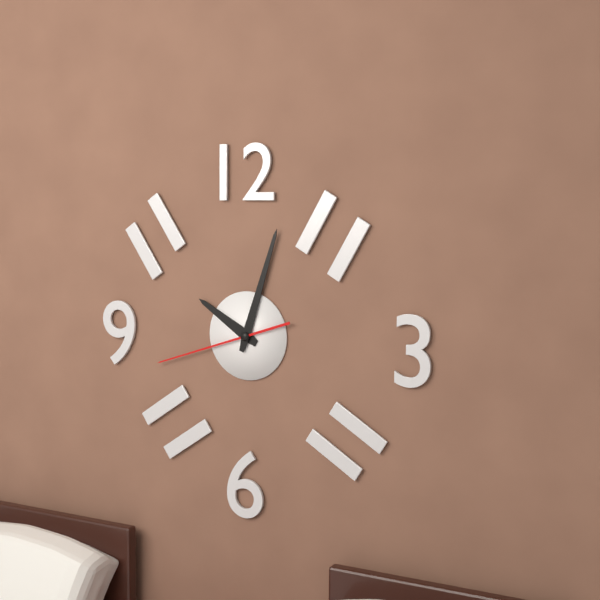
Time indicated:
10h03m42s
